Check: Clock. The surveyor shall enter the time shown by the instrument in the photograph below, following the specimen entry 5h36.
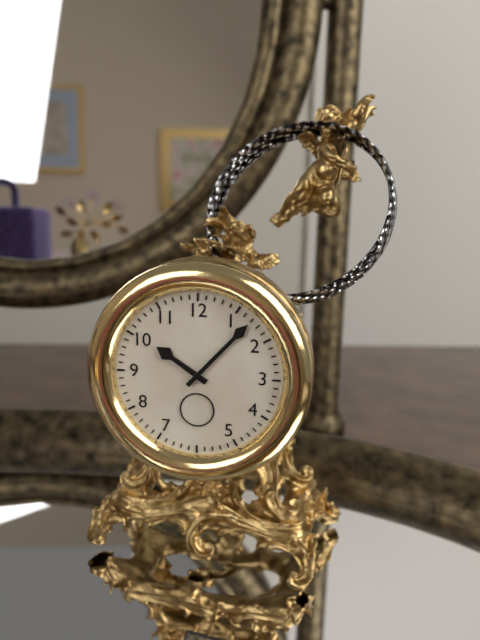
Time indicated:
10h07
